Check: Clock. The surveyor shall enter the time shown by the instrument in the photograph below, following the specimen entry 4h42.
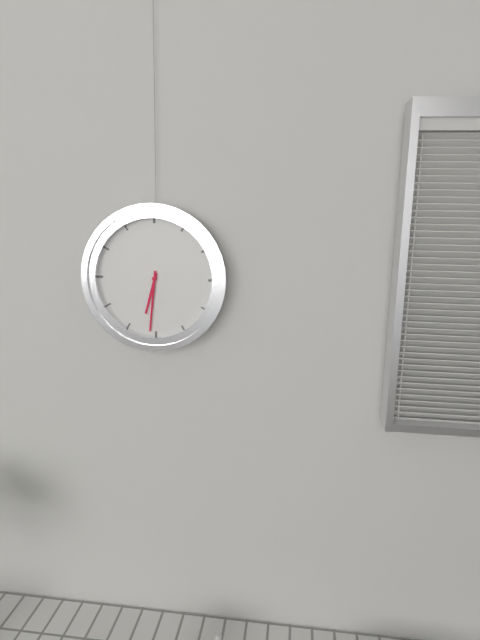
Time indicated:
6h31
